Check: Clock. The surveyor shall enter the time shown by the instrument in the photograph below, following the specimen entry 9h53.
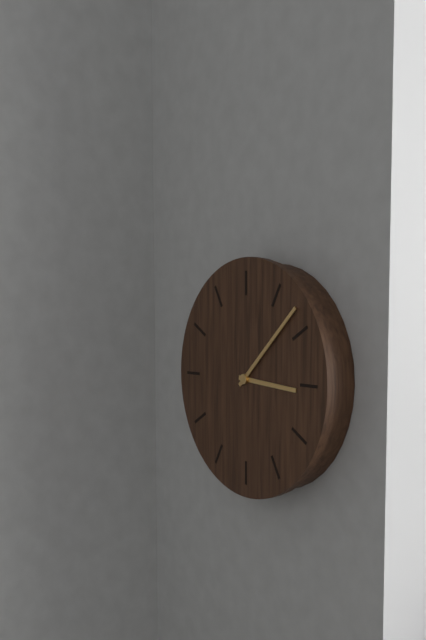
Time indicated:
3h08
